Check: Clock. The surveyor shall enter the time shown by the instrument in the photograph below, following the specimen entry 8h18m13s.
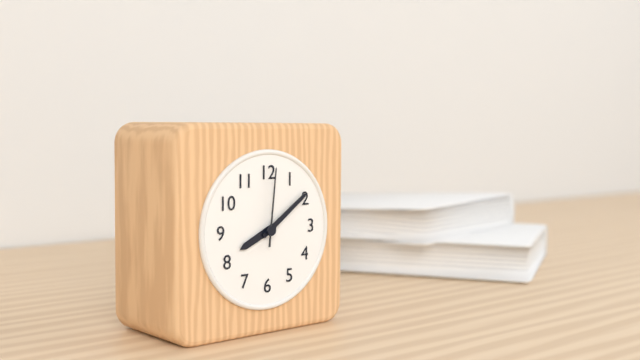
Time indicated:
8h09m01s
